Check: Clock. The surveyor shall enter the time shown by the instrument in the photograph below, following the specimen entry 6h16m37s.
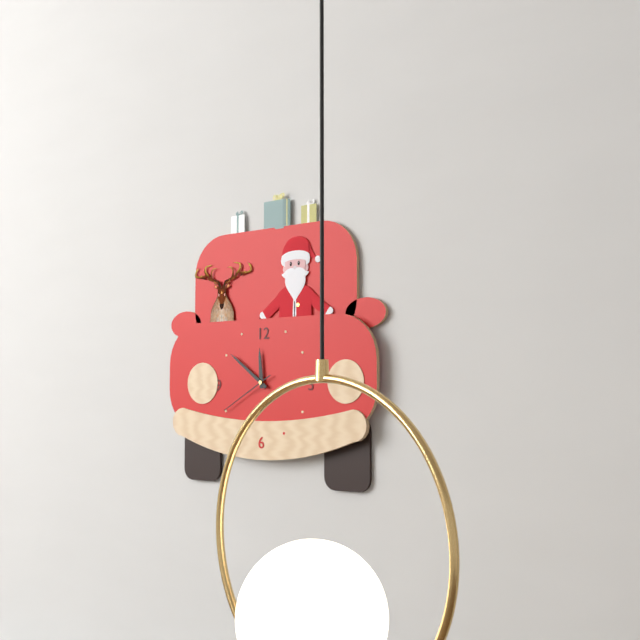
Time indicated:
11h51m40s
